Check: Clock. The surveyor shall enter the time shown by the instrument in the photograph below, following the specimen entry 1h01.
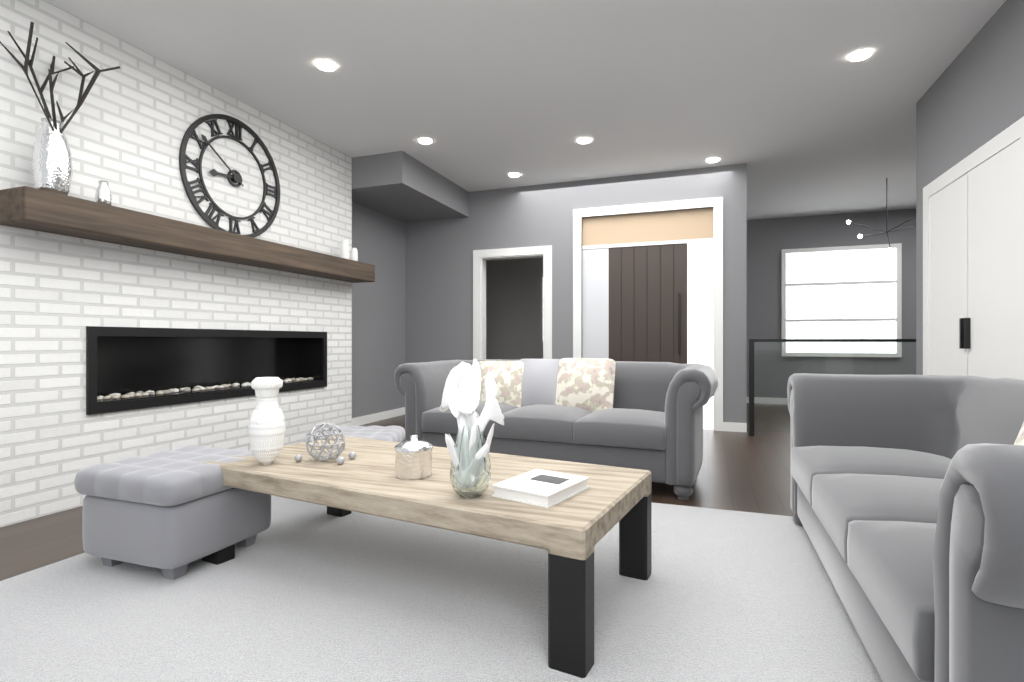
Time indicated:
8h51
